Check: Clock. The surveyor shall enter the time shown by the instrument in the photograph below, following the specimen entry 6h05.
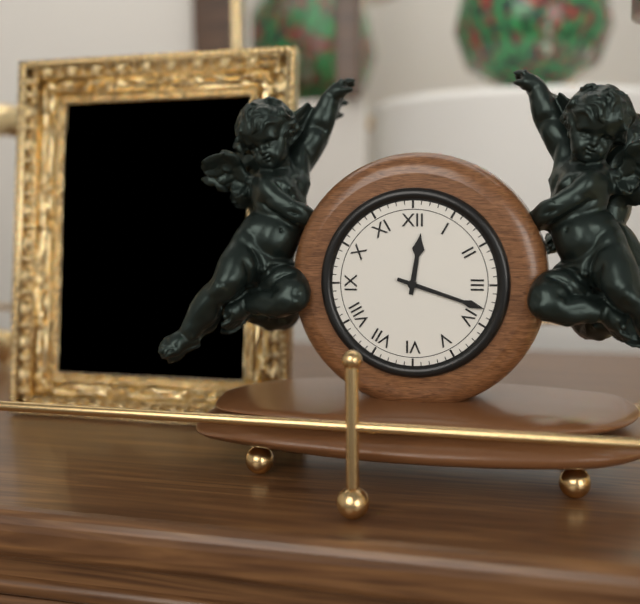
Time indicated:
12h18
